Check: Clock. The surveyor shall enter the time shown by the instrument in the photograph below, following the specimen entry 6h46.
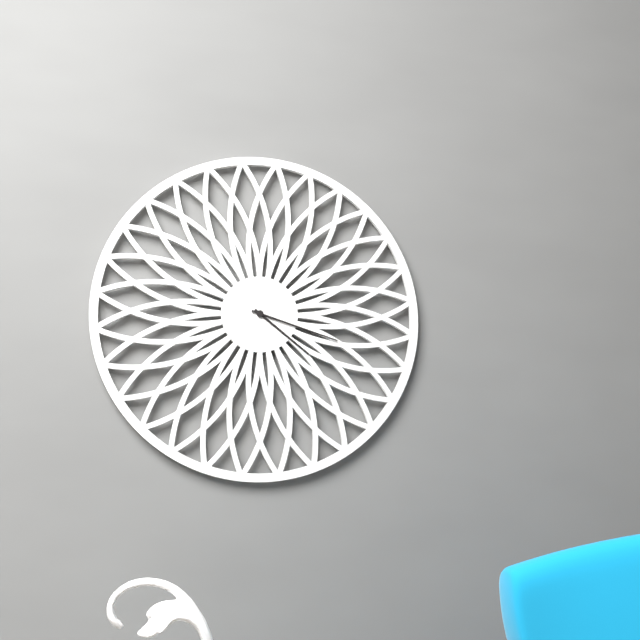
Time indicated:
4h18
